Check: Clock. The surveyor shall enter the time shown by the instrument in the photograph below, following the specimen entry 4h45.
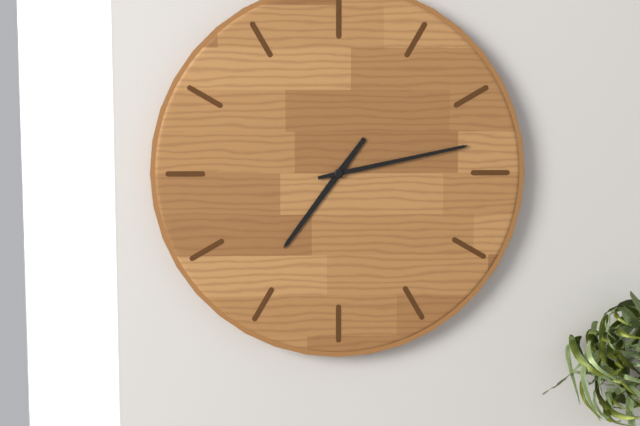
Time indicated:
7h13
